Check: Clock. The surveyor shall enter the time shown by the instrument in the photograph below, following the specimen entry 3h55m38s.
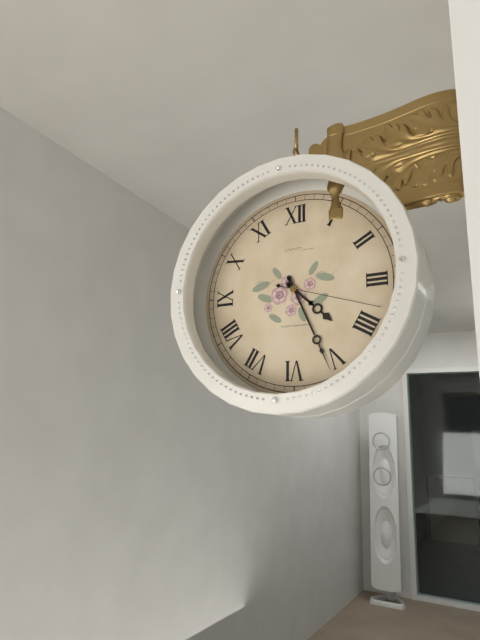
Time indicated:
4h26m18s
